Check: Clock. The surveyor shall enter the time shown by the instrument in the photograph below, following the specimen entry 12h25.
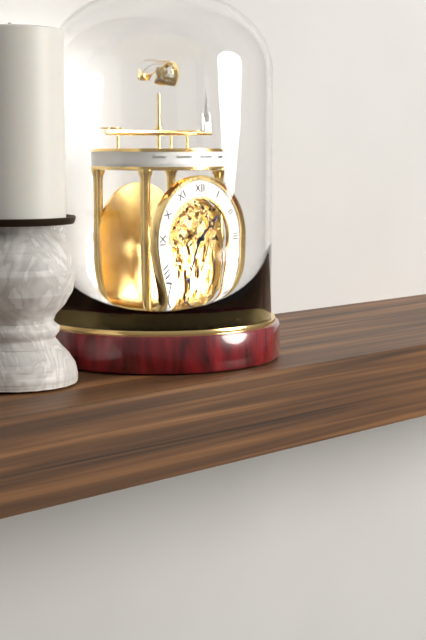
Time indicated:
1h36
